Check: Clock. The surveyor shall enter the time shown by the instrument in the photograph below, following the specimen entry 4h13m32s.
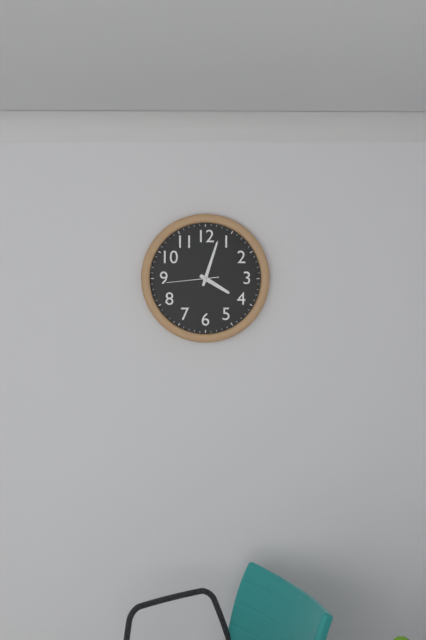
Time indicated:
4h03m44s
